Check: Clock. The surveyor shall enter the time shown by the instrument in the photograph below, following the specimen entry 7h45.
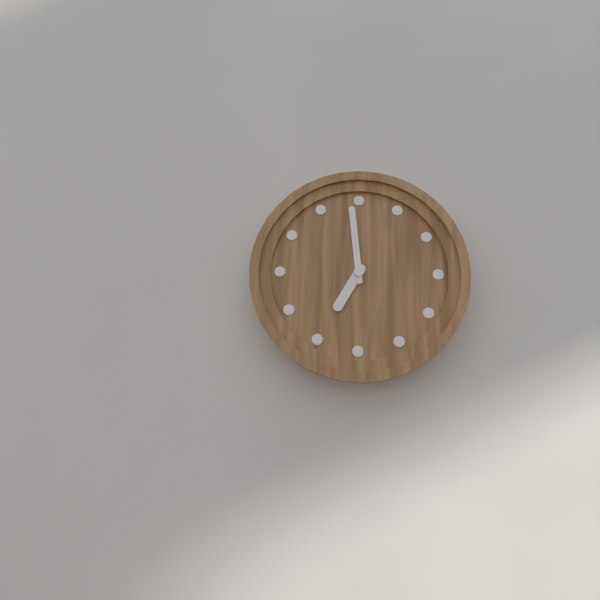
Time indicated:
6h59
